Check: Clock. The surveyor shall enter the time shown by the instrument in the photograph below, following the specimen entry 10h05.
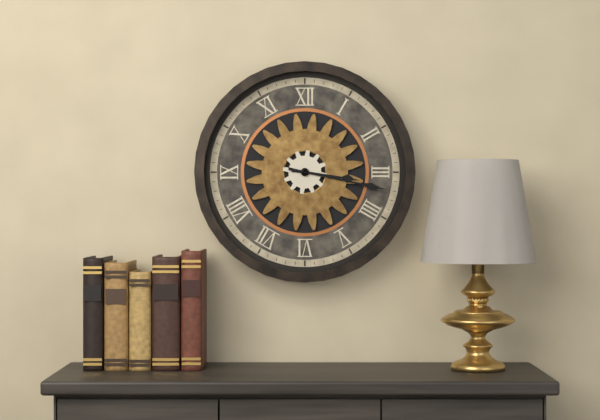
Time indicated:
3h17
